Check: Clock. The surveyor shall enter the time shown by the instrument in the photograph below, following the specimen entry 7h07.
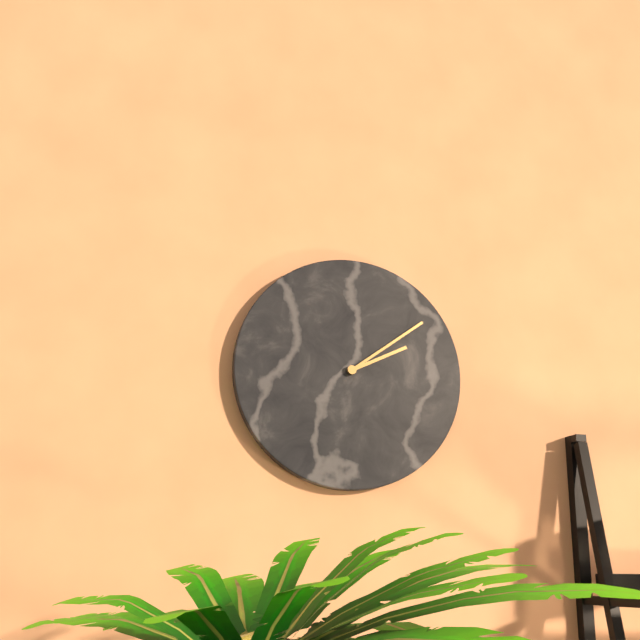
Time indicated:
2h09
